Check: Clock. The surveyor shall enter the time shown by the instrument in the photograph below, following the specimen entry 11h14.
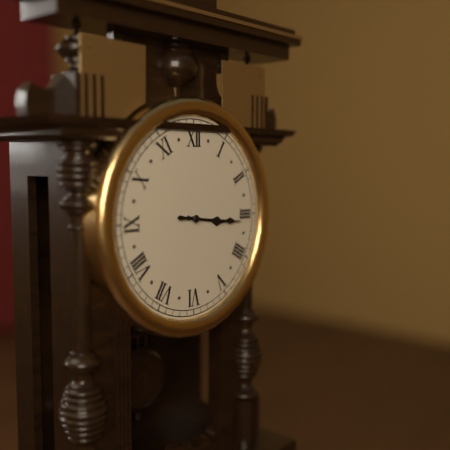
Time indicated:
3h16
